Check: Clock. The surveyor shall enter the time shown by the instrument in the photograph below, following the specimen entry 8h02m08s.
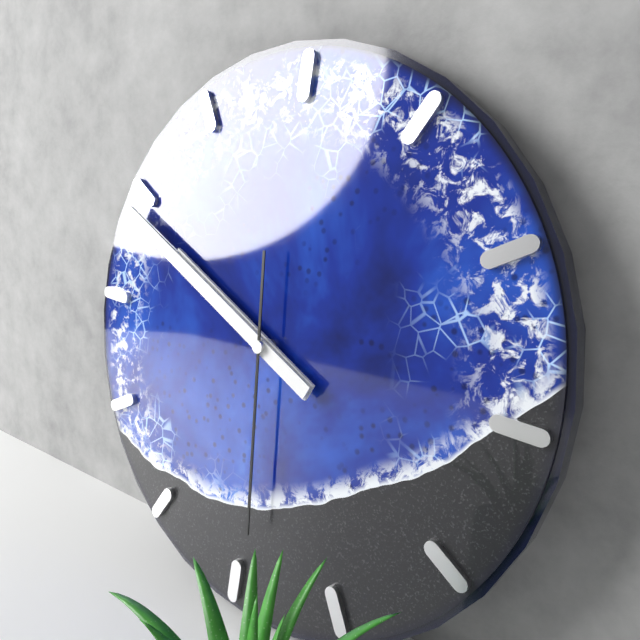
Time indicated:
9h49m29s
